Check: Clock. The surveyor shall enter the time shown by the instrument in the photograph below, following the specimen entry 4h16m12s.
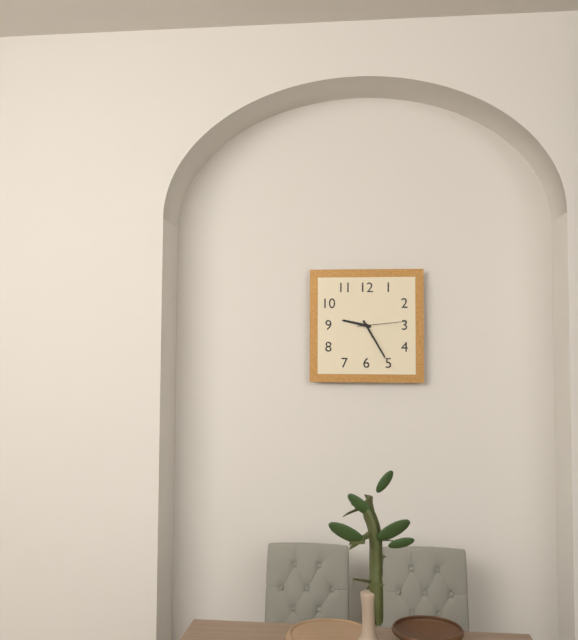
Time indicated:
9h25m14s
